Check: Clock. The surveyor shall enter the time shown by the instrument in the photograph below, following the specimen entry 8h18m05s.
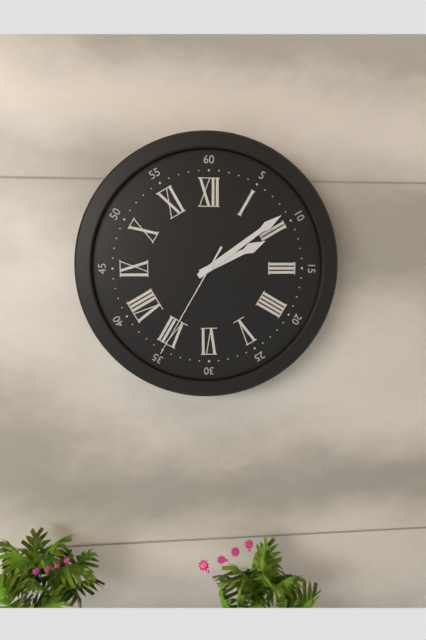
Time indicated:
2h09m35s
